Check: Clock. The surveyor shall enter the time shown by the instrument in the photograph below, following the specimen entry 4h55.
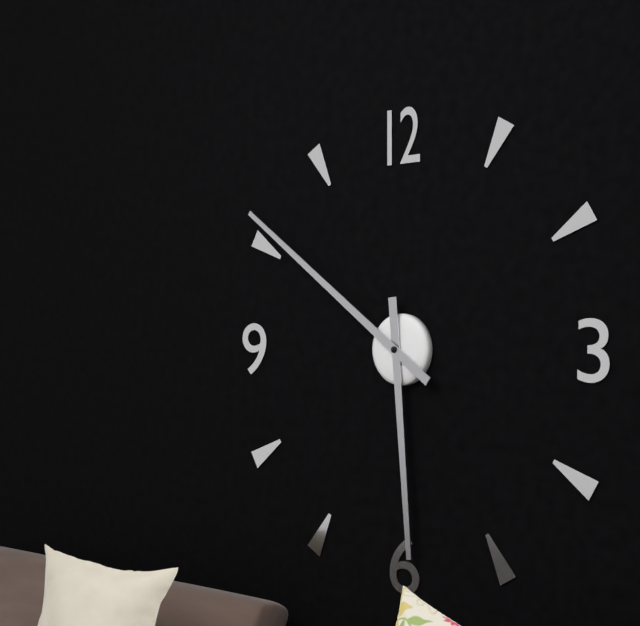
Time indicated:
5h51
